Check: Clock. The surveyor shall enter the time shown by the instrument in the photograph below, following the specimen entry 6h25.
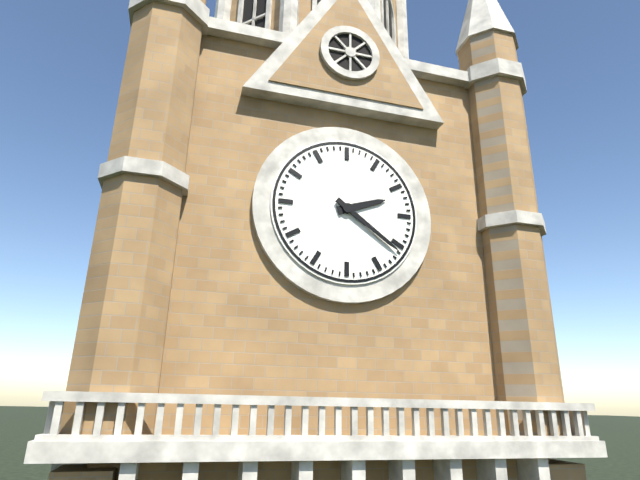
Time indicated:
2h21
